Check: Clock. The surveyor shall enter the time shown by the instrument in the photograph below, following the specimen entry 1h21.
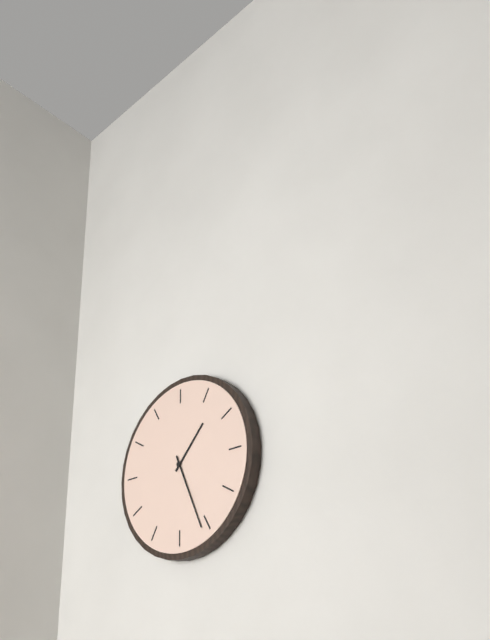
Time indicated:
1h26
